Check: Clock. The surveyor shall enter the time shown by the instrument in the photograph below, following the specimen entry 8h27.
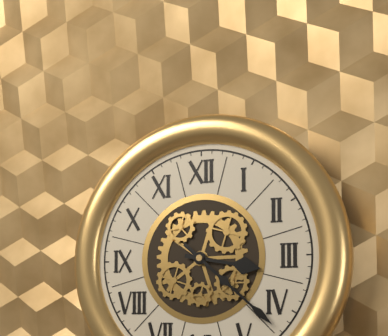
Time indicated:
3h22
